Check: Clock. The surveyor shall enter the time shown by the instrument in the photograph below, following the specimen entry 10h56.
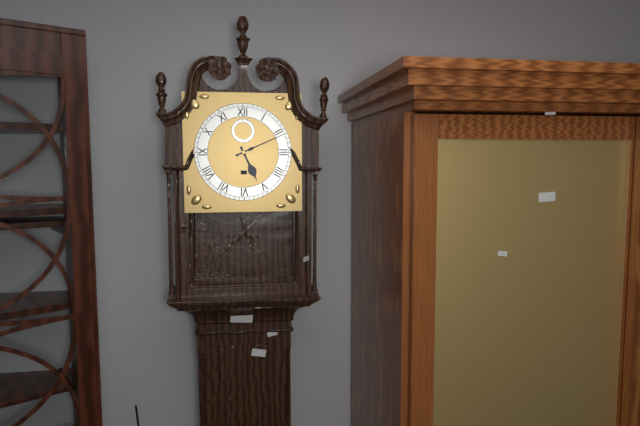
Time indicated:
5h11
